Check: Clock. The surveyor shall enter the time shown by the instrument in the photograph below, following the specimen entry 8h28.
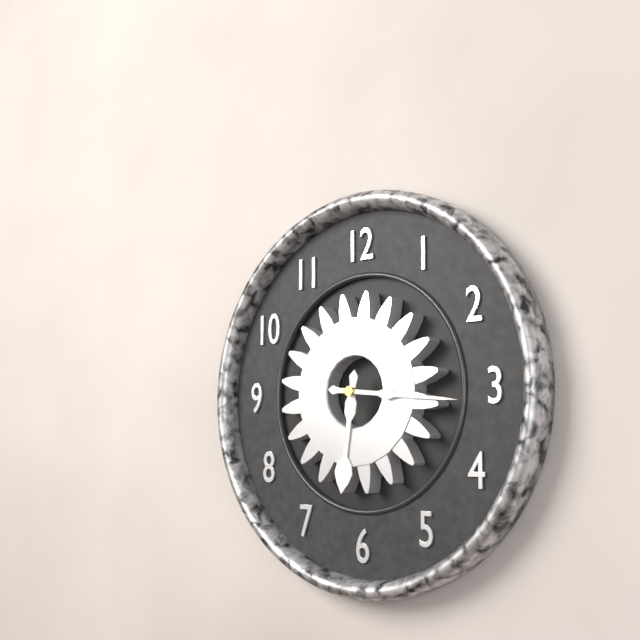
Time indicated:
6h16
